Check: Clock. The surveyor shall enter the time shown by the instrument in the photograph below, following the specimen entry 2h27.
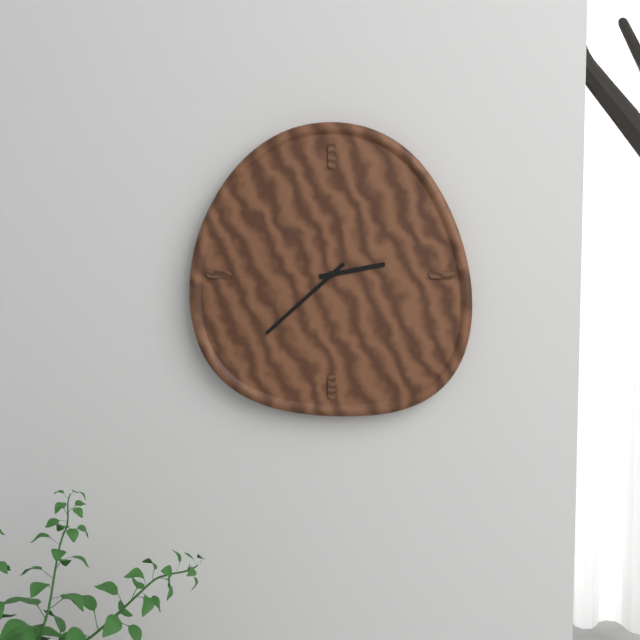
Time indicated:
2h38
